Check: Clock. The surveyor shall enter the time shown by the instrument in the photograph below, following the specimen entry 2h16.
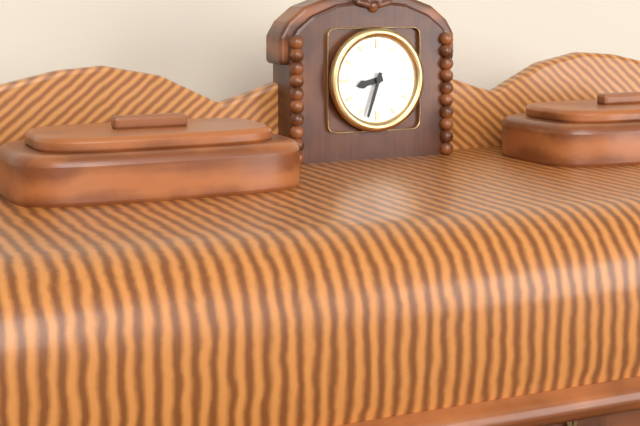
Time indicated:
8h33
